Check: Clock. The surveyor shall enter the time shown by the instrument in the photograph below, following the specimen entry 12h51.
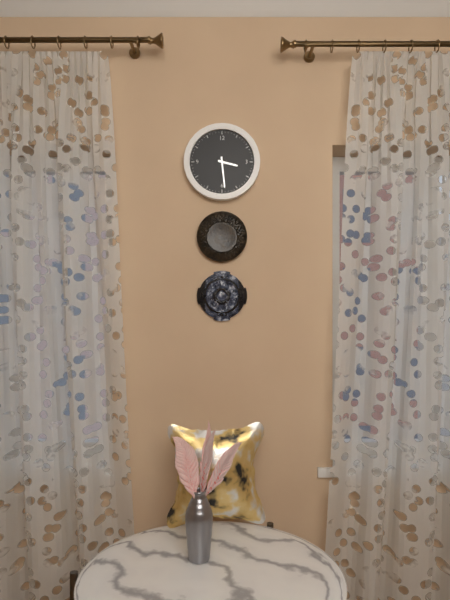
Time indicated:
3h29
